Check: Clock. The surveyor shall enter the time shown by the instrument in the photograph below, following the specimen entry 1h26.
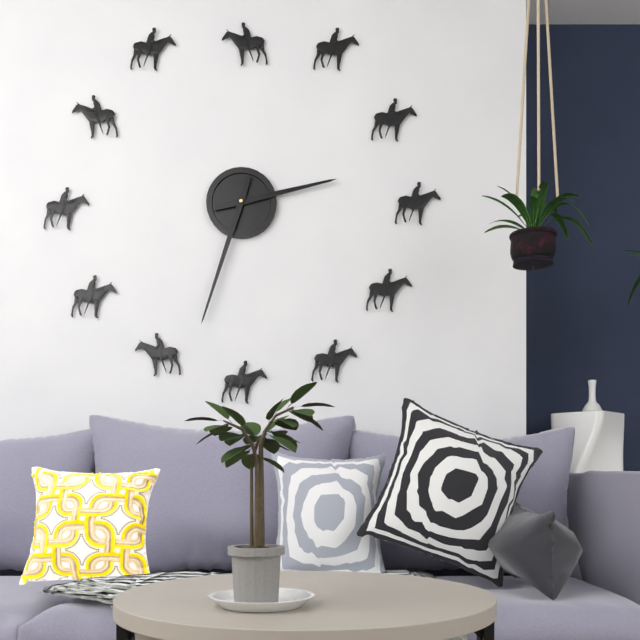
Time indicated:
2h33
